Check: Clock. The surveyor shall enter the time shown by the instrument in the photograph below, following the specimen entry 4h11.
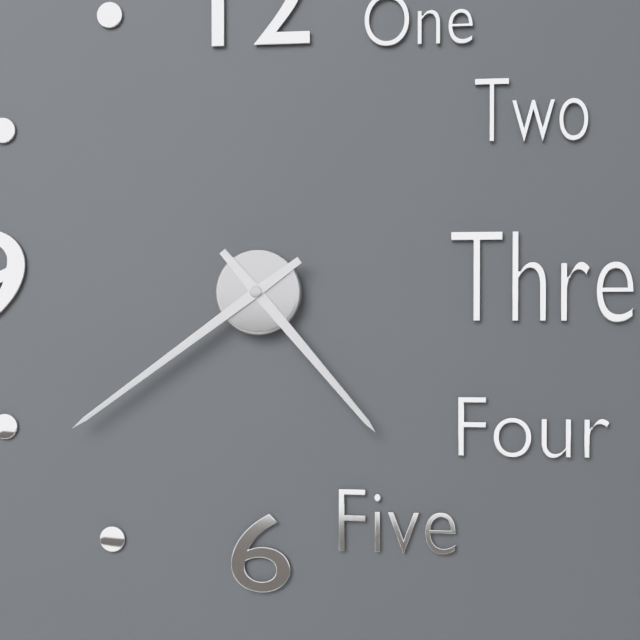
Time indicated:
4h39
